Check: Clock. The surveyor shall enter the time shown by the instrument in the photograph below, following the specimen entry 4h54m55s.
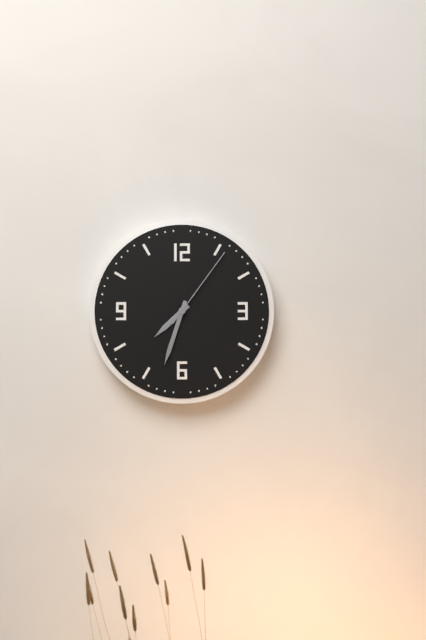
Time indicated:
7h33m06s
